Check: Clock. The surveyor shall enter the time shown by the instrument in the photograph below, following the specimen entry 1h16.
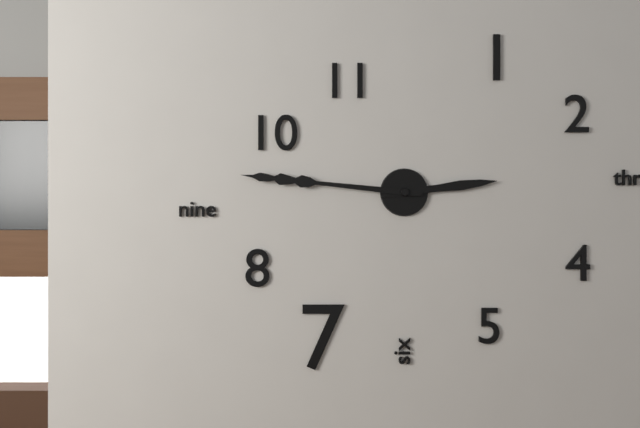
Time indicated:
2h46
